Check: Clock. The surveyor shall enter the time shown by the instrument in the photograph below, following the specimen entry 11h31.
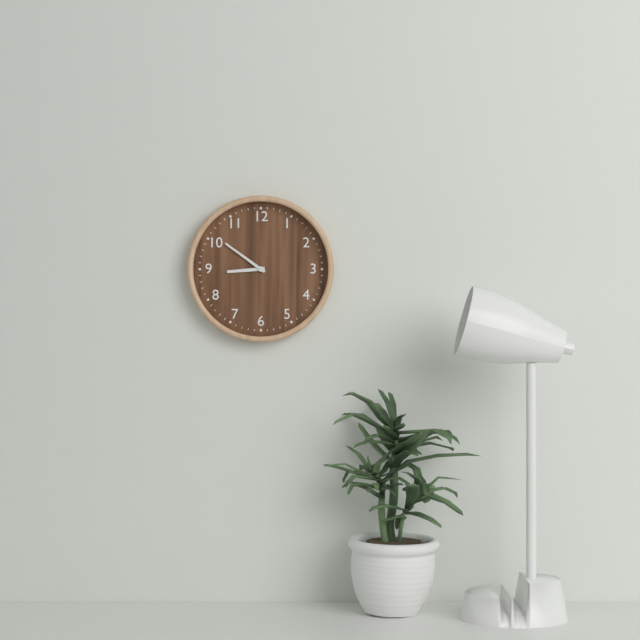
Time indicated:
8h51
